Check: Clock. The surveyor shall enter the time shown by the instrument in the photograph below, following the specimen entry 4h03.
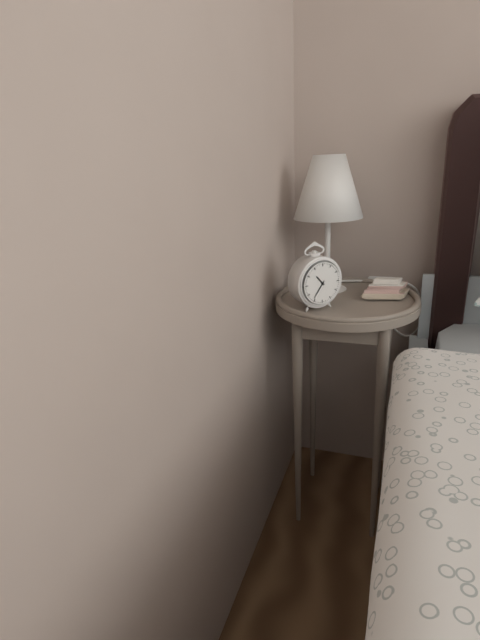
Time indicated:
10h36
